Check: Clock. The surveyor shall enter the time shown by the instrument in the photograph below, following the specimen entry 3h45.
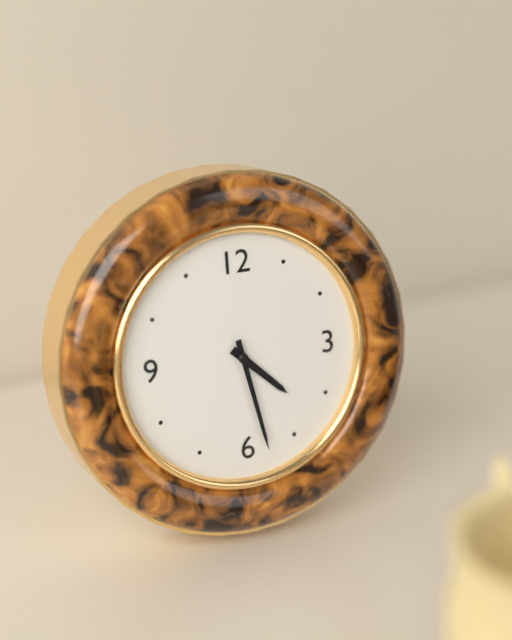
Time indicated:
4h28
